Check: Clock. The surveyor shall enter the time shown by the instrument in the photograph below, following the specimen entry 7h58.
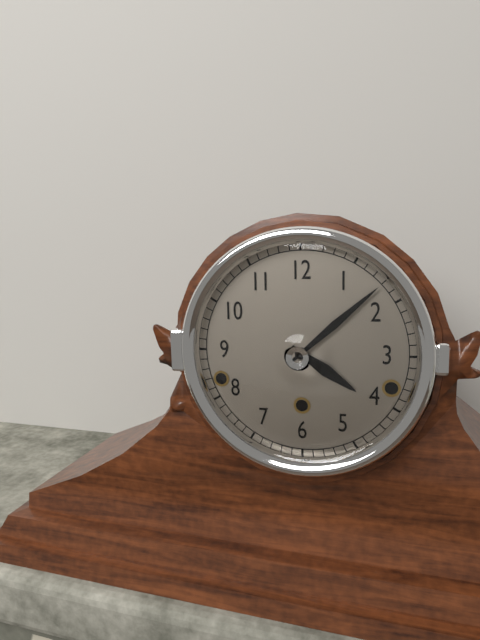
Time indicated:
4h08
